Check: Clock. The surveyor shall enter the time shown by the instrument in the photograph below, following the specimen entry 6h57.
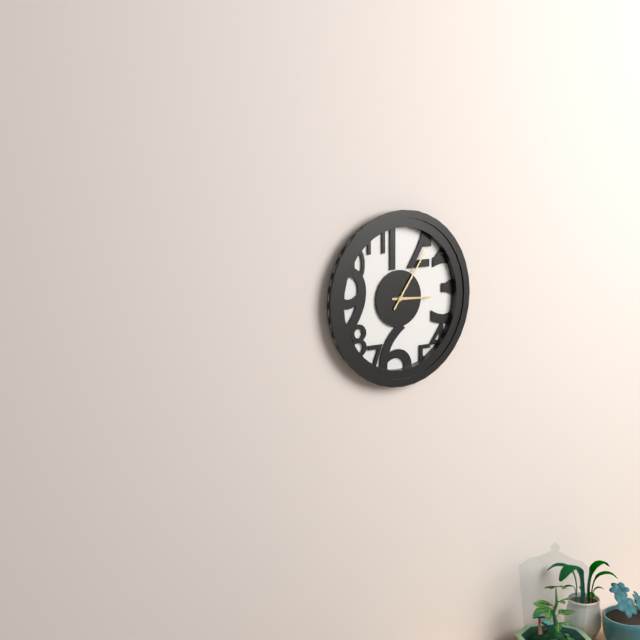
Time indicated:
3h06
